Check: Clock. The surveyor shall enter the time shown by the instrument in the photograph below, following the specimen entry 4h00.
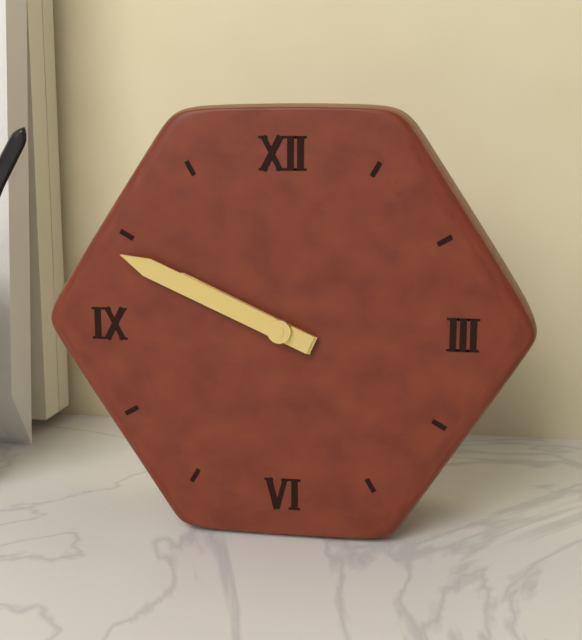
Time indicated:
9h49
